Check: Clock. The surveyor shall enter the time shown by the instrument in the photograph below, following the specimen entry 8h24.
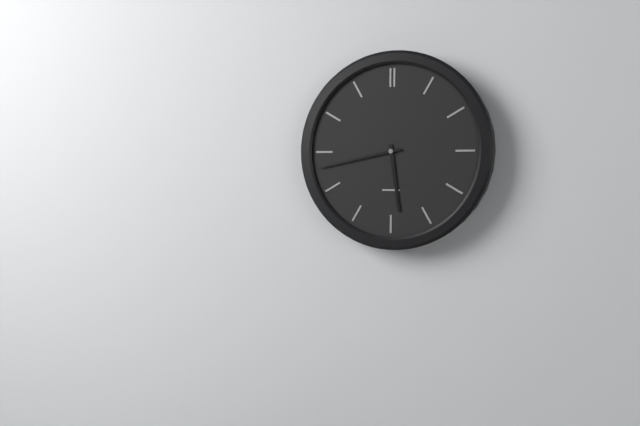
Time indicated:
5h43
